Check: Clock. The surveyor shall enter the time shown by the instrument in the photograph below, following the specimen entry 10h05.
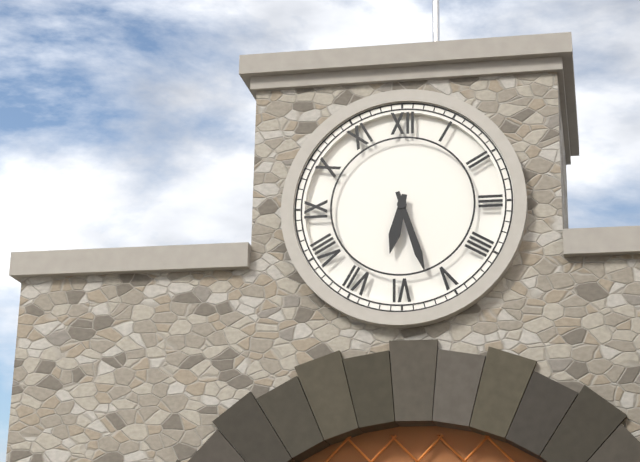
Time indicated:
6h27
